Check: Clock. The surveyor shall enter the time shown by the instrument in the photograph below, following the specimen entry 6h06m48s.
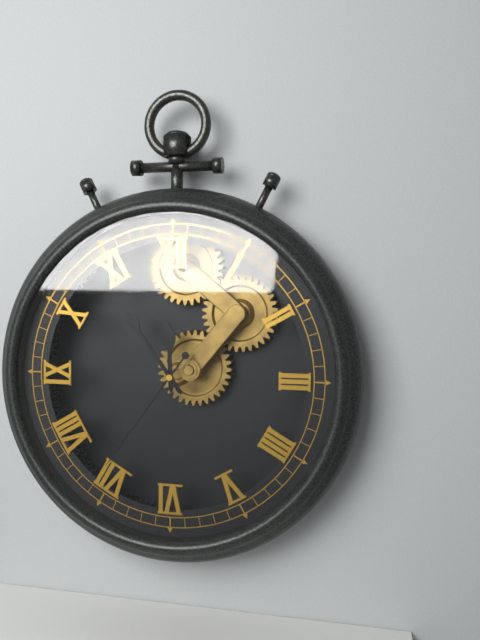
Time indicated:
11h54m36s
